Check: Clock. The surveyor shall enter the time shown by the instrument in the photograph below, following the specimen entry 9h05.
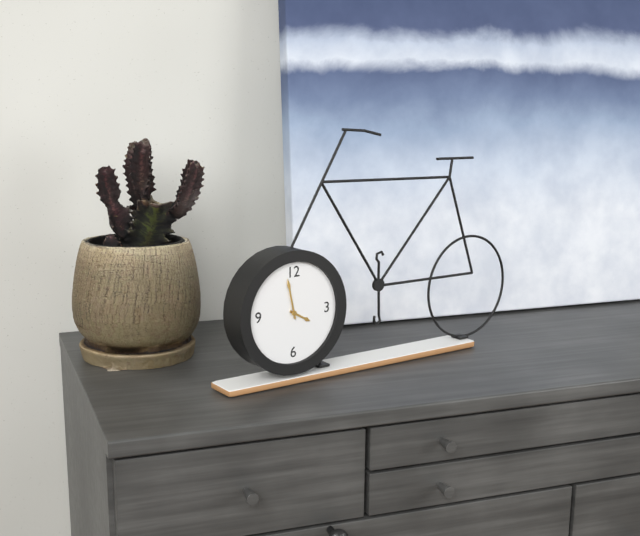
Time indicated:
3h58
